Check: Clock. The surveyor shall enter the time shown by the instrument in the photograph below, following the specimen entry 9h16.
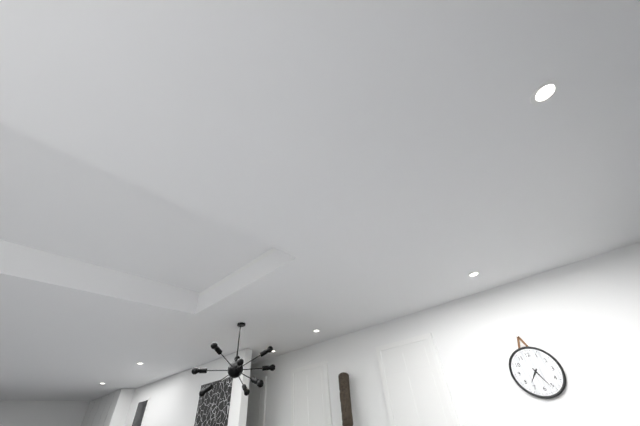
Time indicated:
7h26
